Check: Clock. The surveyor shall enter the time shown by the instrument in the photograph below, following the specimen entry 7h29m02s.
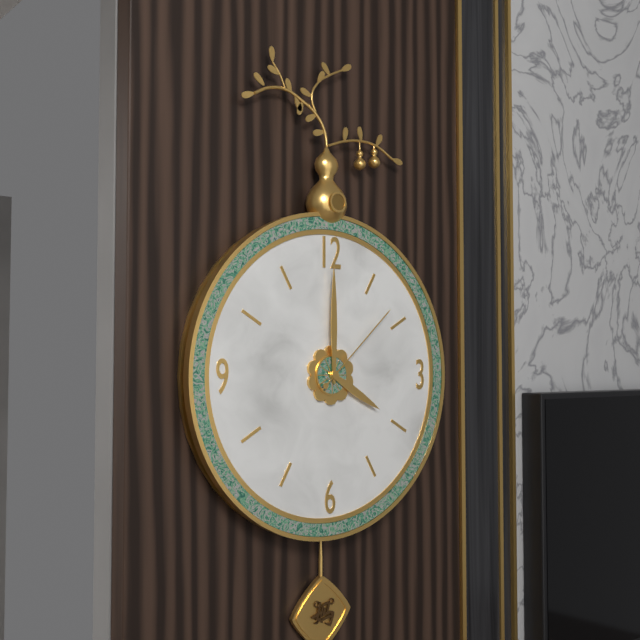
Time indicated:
4h00m08s
